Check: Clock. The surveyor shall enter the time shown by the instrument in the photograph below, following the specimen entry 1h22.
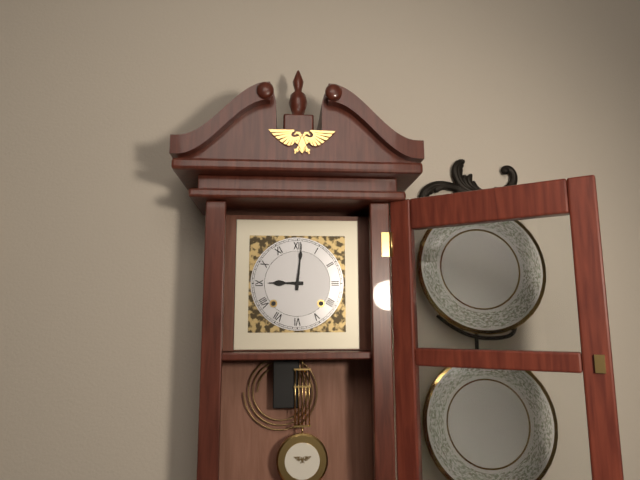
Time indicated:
9h01
